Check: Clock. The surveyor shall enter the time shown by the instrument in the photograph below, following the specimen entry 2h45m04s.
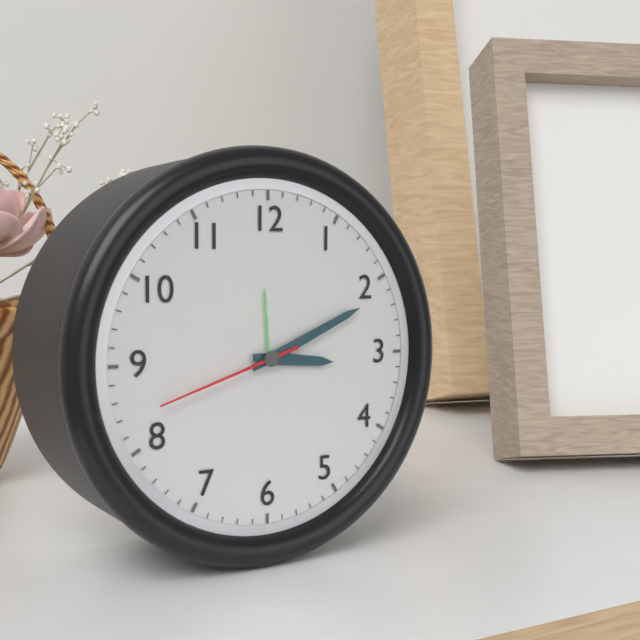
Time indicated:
3h11m42s
